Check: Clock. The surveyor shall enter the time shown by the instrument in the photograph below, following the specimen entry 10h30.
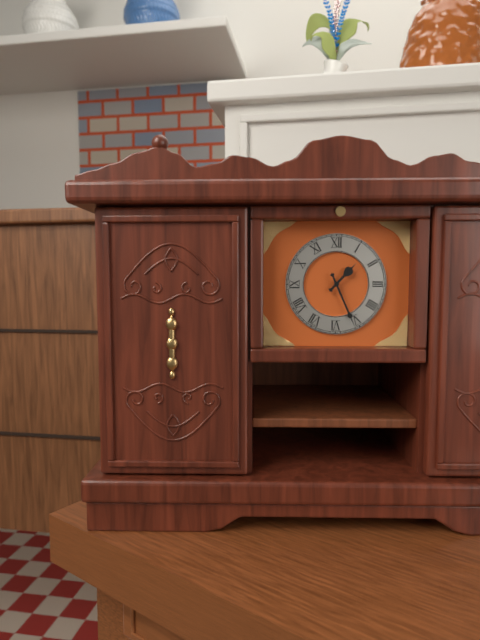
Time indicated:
1h26
